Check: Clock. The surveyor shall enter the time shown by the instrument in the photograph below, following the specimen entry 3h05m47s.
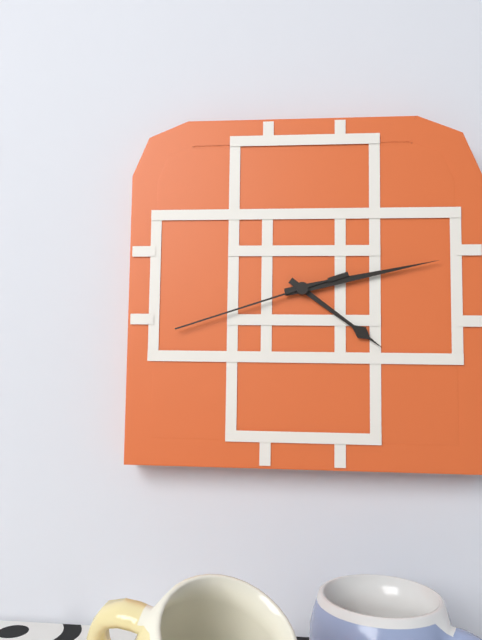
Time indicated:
4h13m42s
